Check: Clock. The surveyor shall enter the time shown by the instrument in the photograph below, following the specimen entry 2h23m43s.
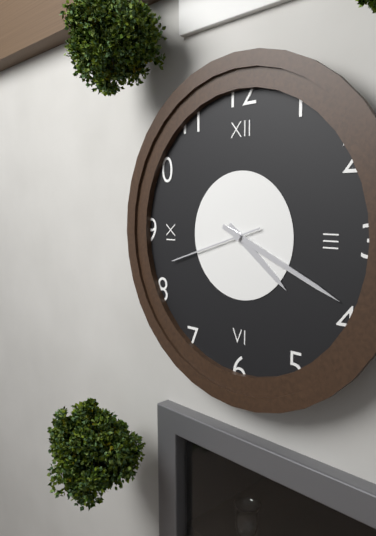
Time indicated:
4h19m42s
